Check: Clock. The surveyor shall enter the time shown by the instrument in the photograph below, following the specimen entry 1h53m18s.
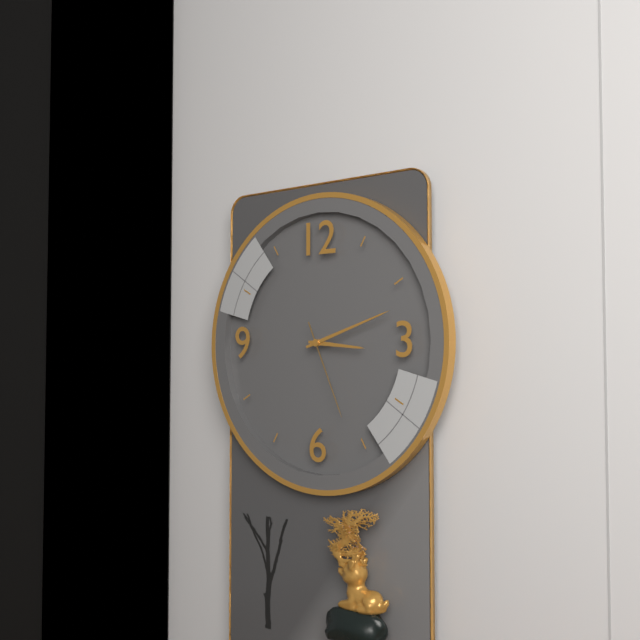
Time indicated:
3h12m26s
